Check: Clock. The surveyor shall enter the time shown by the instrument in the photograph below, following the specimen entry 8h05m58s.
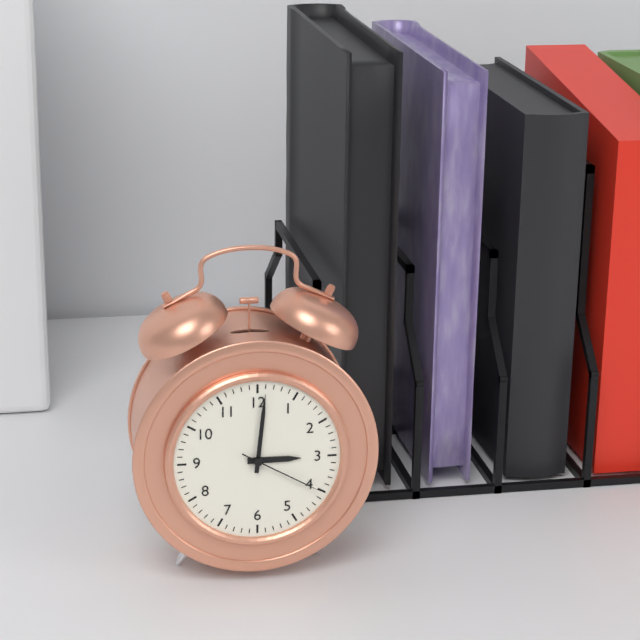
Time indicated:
3h01m20s
